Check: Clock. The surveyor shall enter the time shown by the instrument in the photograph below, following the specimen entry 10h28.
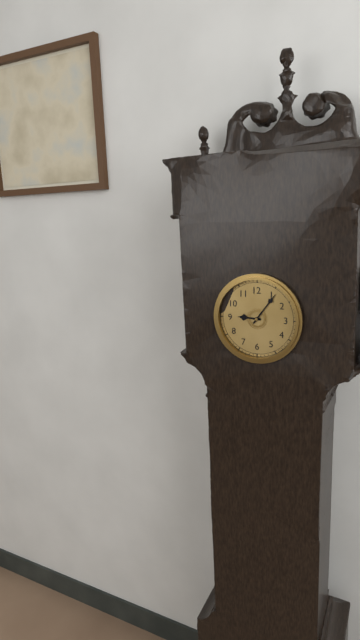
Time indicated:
9h06
